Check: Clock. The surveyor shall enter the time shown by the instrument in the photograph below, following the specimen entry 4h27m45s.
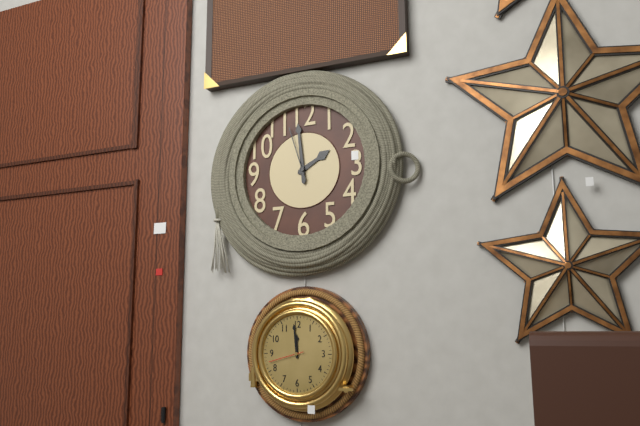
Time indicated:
1h59m57s
